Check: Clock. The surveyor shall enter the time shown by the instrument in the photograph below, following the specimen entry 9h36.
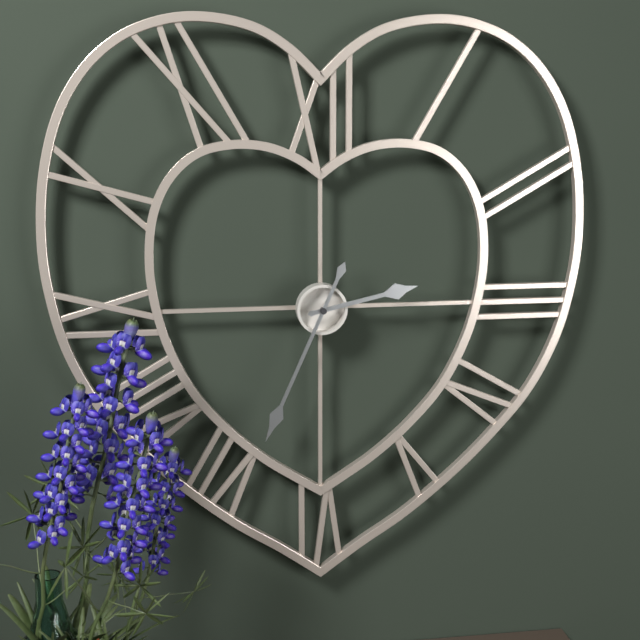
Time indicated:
2h34
